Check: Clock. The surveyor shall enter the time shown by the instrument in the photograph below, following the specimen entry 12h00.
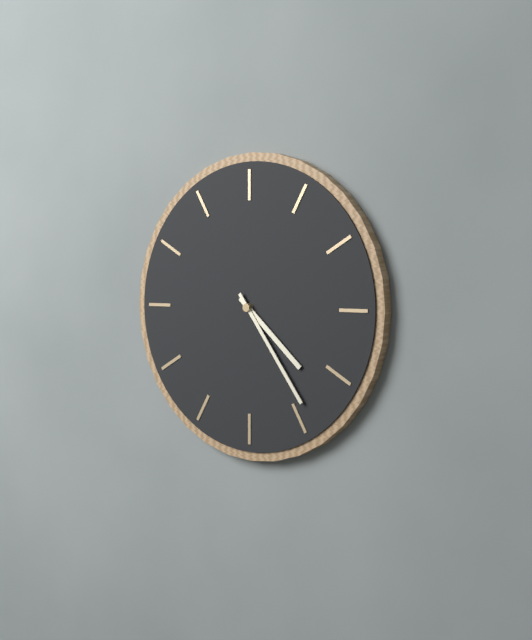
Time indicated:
4h24
